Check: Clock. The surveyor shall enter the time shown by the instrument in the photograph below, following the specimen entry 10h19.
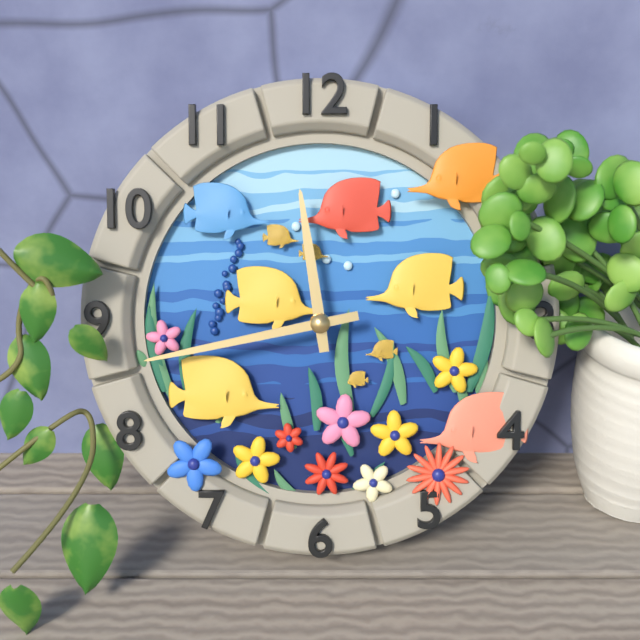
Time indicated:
11h43
